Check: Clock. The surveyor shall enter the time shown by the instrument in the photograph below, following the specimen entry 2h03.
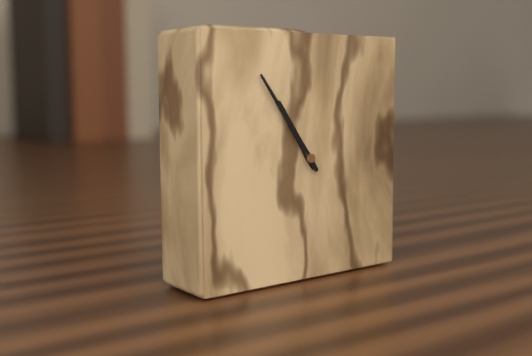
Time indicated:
10h54
